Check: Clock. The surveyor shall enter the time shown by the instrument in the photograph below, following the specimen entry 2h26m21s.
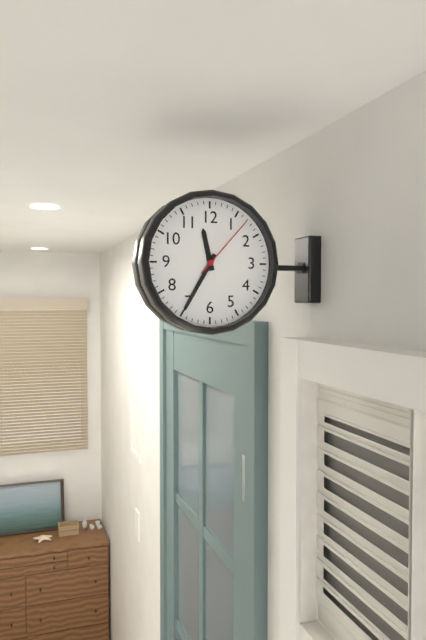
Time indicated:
11h35m07s
